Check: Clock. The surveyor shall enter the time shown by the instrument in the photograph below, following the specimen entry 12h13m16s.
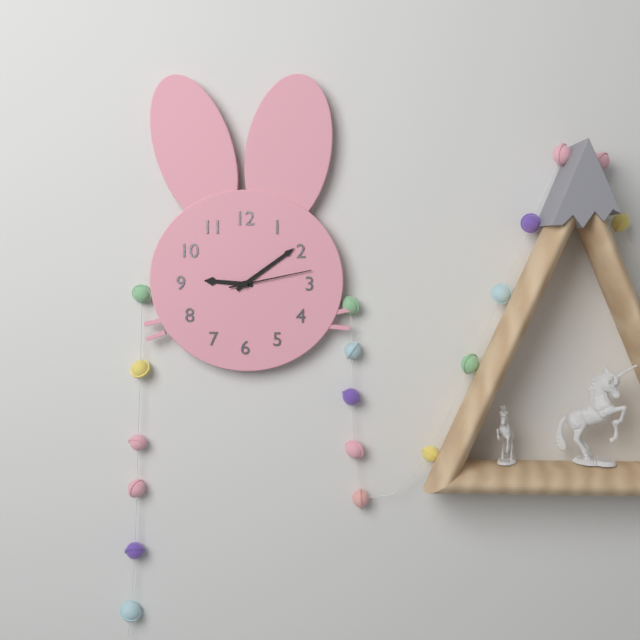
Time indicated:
9h09m13s
